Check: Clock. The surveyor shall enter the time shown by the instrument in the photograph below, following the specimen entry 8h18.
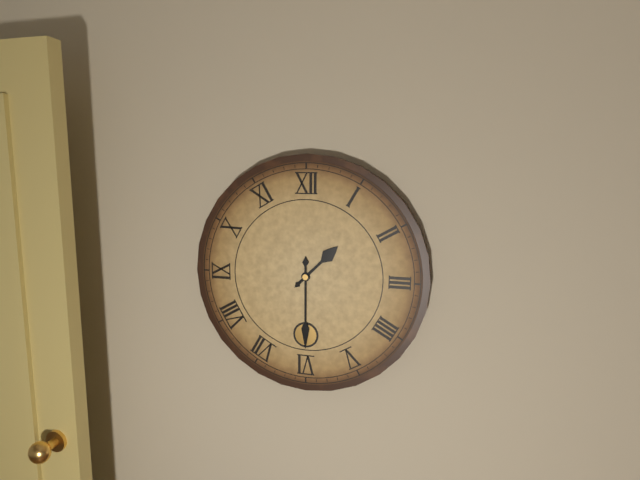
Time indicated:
1h30
